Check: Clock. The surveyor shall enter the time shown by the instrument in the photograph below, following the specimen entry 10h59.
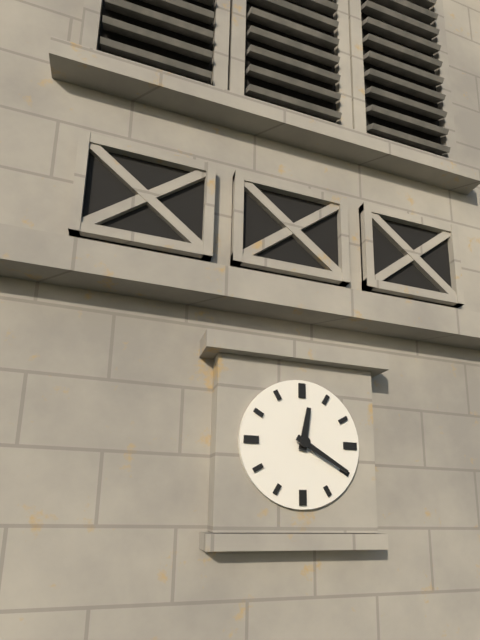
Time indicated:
12h20
